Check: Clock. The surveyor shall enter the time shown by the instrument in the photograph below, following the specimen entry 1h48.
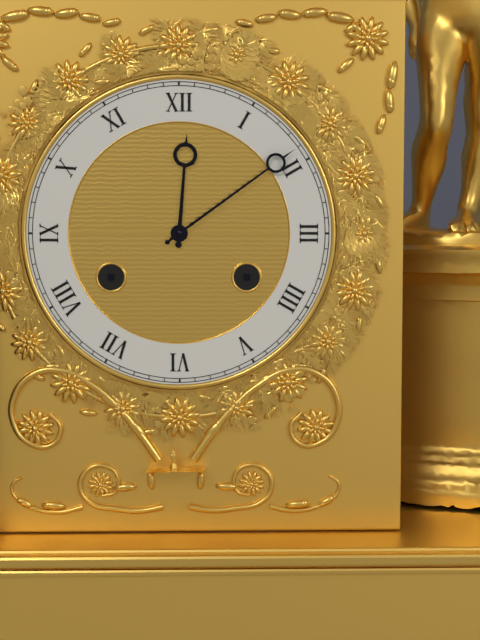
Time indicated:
12h09
